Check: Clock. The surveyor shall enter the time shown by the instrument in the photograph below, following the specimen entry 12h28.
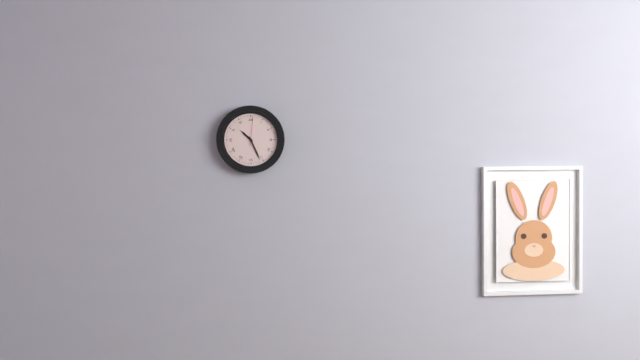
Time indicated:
10h26
